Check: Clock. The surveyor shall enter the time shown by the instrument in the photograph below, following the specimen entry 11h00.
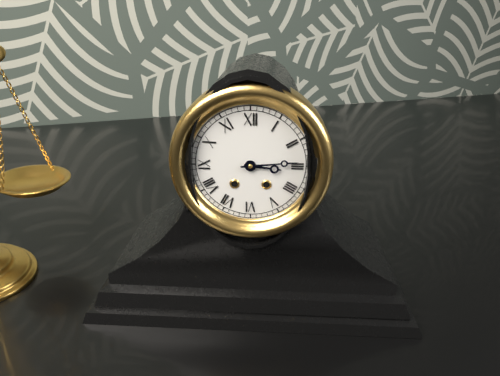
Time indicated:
3h14
